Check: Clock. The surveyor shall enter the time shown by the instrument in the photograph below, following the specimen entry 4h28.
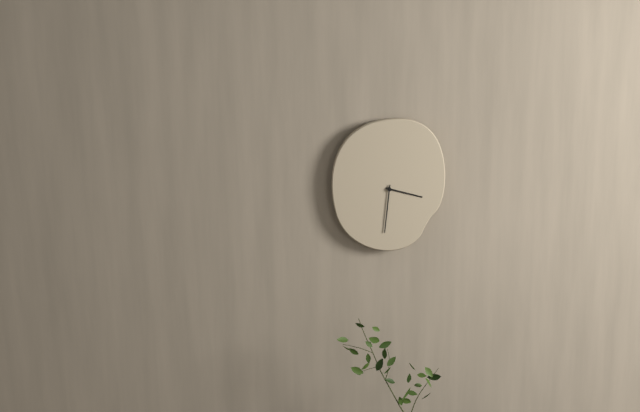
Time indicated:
3h31
